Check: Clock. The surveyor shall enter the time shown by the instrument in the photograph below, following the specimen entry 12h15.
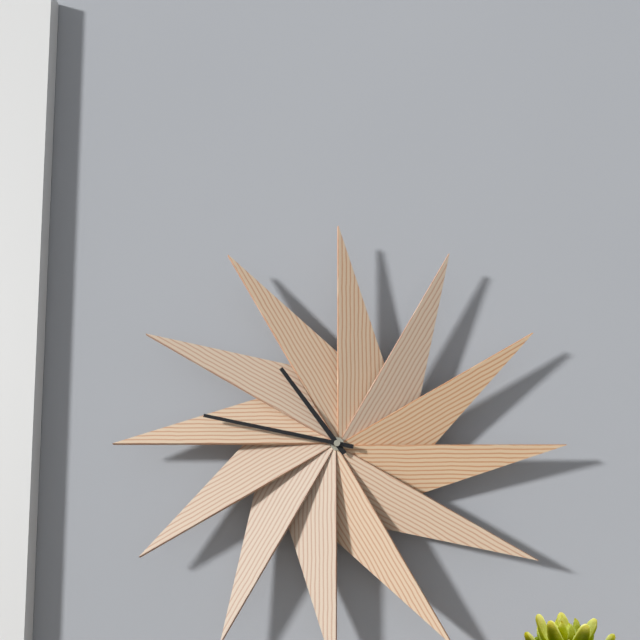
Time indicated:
10h47
